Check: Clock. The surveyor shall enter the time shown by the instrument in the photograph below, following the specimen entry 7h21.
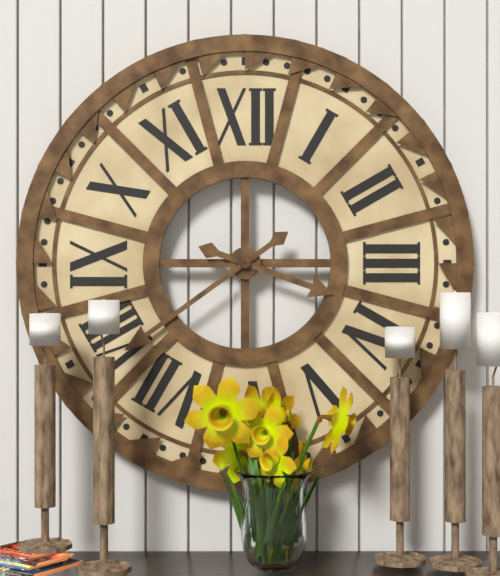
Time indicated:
3h39
